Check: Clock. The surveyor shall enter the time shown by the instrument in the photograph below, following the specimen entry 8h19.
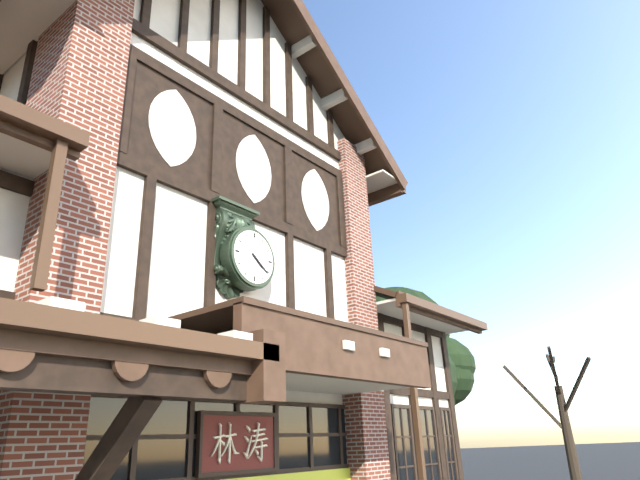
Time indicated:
4h21
